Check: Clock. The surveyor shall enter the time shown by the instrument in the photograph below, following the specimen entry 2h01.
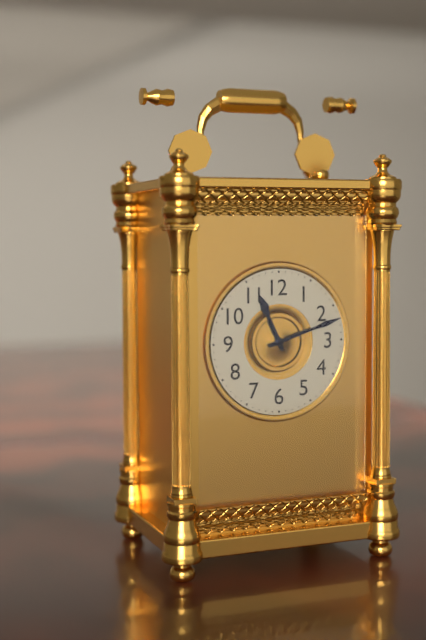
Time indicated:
11h12
